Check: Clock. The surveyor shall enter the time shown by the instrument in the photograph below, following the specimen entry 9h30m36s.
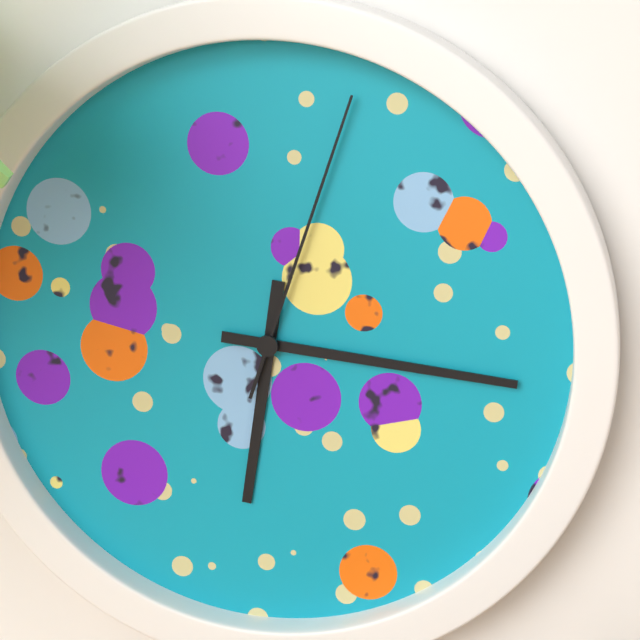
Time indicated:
6h16m03s
